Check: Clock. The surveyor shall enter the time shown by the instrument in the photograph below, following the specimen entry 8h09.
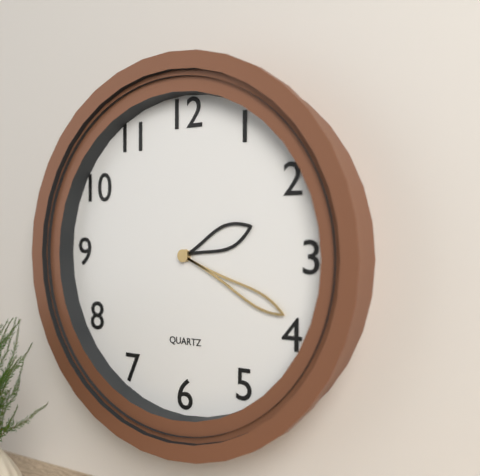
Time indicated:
2h19
